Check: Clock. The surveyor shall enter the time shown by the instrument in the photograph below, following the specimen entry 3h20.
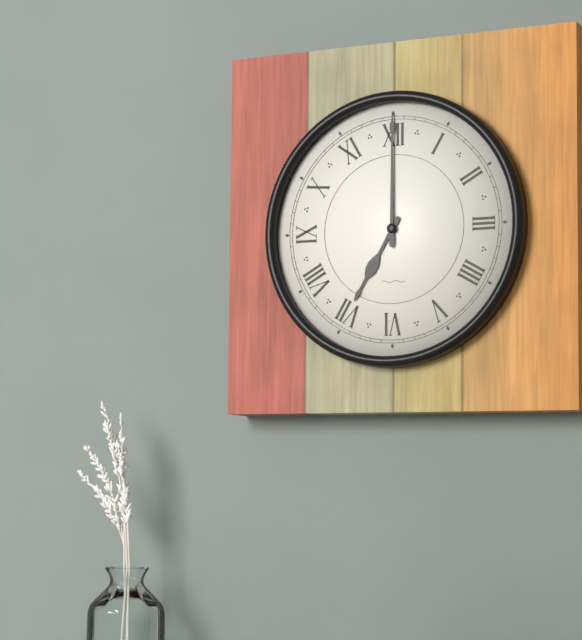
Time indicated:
7h00
